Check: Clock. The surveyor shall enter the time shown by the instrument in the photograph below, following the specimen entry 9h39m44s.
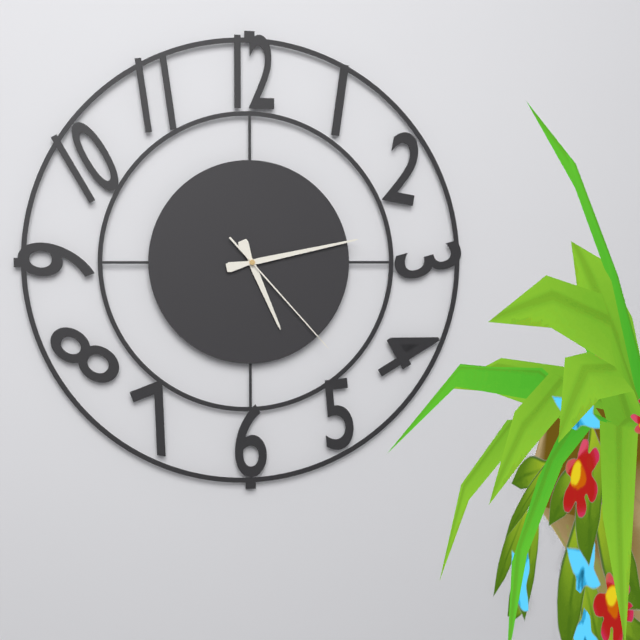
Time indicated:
5h13m23s
